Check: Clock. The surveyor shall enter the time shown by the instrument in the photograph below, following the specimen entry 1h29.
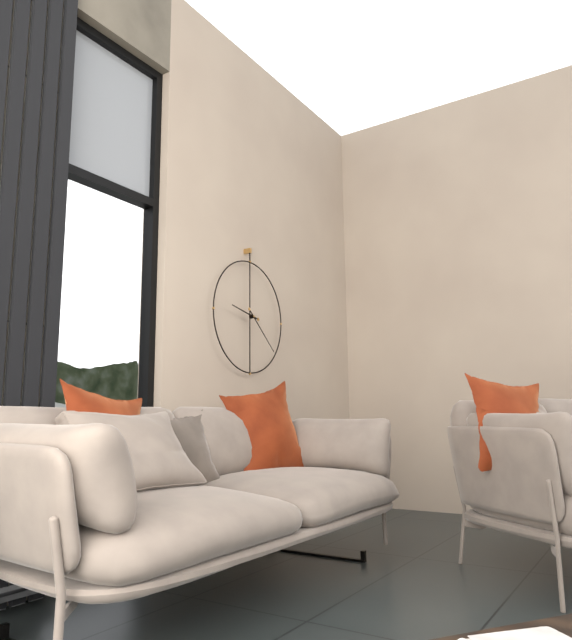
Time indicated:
9h22
